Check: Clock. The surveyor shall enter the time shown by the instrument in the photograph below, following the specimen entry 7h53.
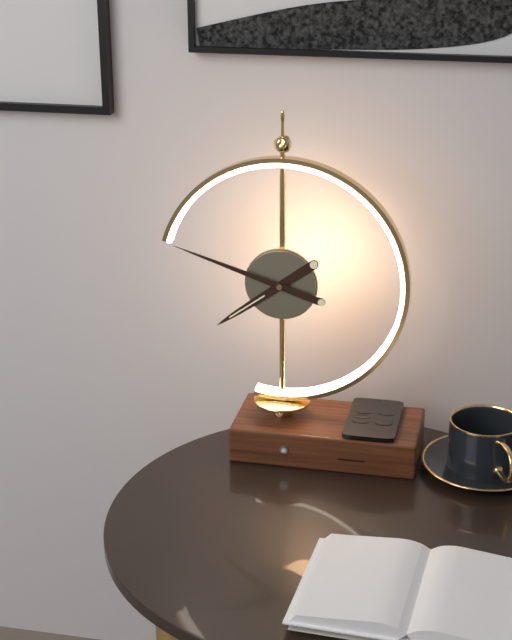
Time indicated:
7h48
